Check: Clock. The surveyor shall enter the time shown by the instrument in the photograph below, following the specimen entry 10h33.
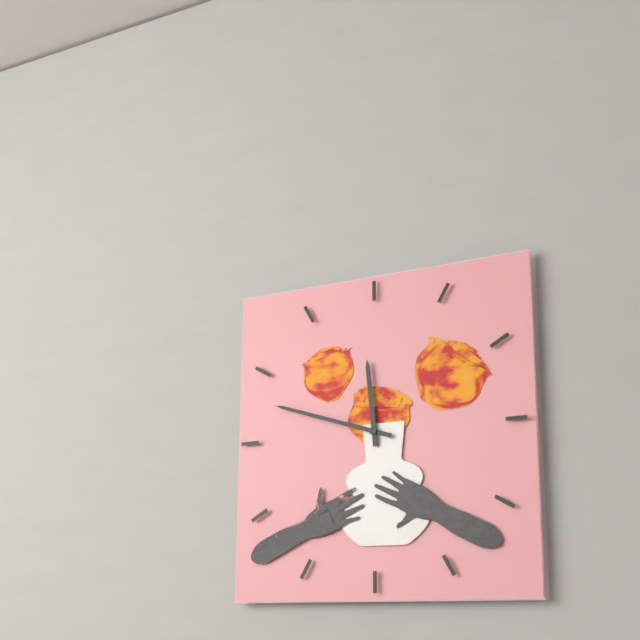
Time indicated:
11h48
